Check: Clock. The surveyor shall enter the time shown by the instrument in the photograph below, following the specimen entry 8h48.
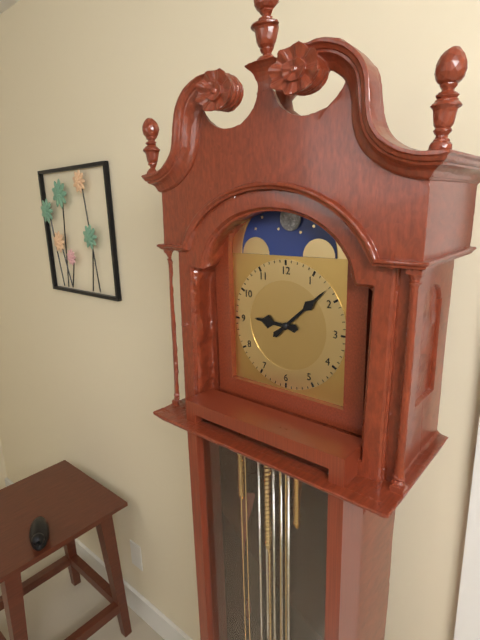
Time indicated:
9h08
